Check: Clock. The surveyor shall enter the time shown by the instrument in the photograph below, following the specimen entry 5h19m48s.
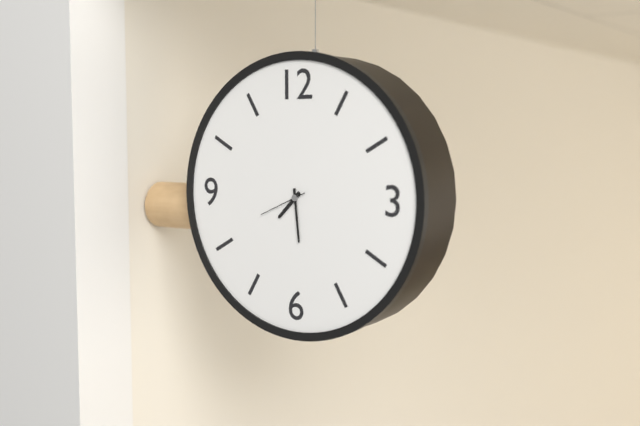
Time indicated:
7h29m41s
